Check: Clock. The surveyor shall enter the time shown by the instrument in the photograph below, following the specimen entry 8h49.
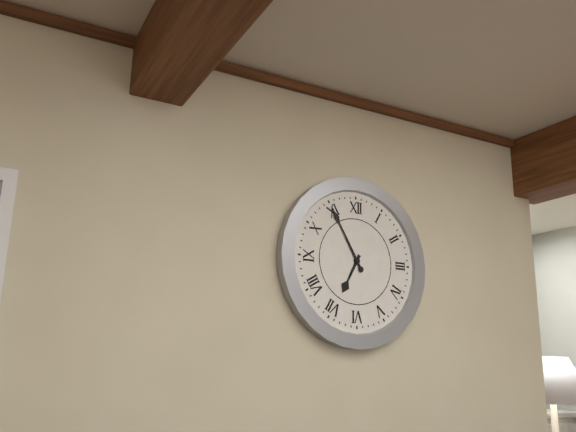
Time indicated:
6h55
